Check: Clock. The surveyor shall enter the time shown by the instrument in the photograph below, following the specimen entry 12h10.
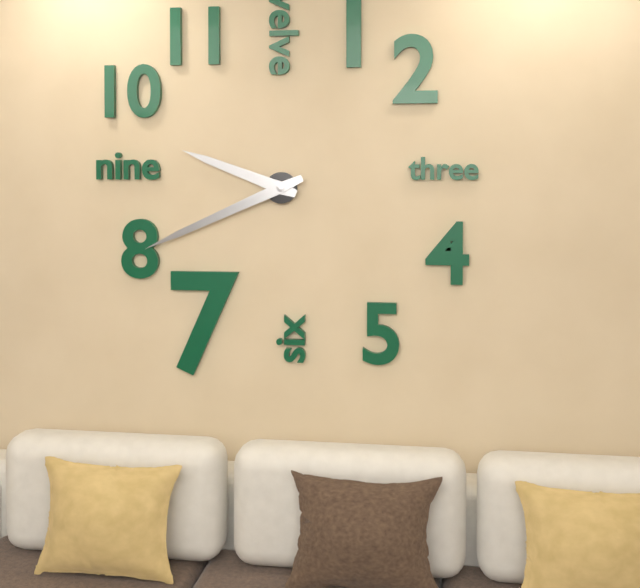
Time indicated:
9h41
